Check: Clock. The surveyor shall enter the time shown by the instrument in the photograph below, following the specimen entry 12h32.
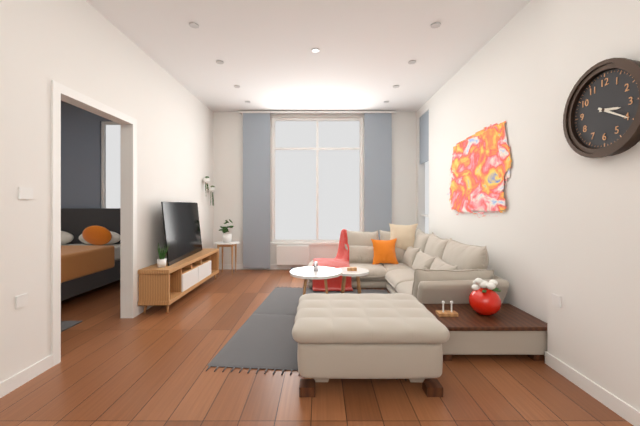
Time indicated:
3h20
